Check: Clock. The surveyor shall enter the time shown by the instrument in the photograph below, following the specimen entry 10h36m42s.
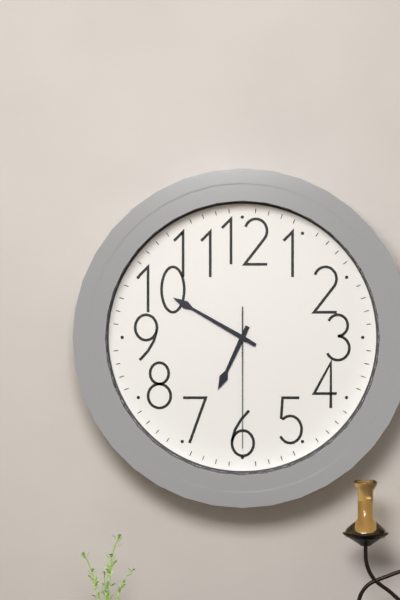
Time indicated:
6h50m30s
